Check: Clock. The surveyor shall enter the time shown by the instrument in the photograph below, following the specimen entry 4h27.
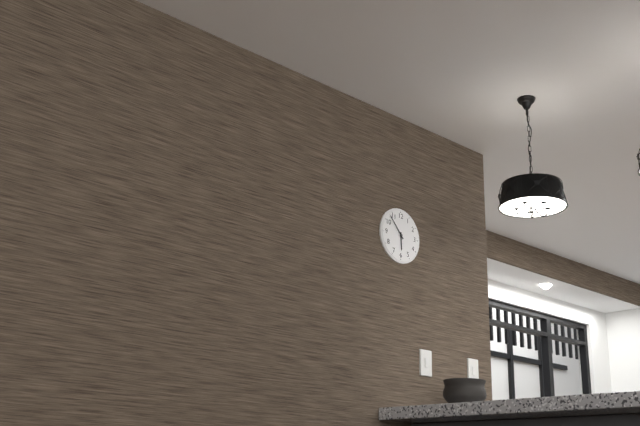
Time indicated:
5h53
